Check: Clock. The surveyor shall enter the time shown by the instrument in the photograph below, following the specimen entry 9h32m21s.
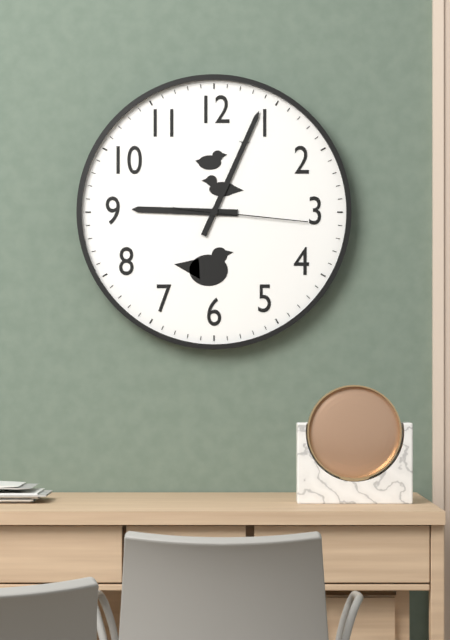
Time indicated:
9h04m16s
